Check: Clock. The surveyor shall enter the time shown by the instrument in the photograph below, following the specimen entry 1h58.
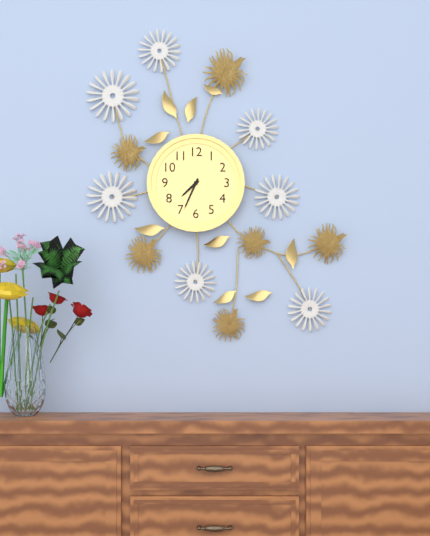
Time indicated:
7h34
